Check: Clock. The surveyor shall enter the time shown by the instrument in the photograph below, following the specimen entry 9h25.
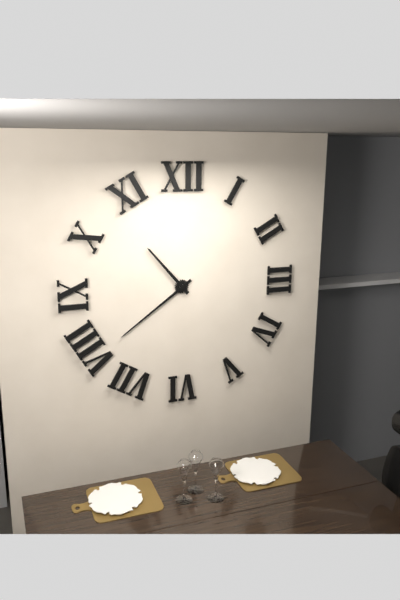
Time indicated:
10h39
